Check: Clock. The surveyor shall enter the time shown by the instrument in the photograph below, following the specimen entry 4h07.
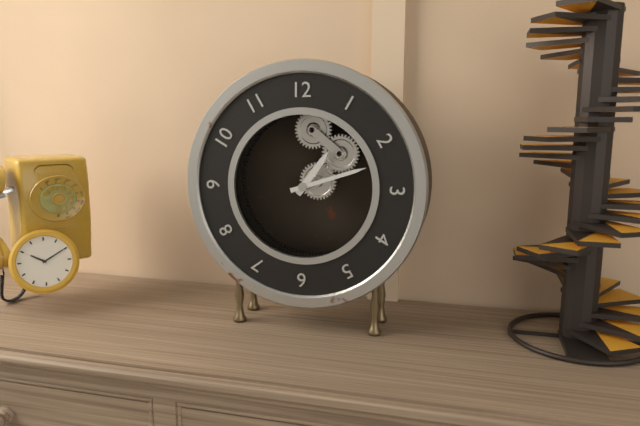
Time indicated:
1h12
